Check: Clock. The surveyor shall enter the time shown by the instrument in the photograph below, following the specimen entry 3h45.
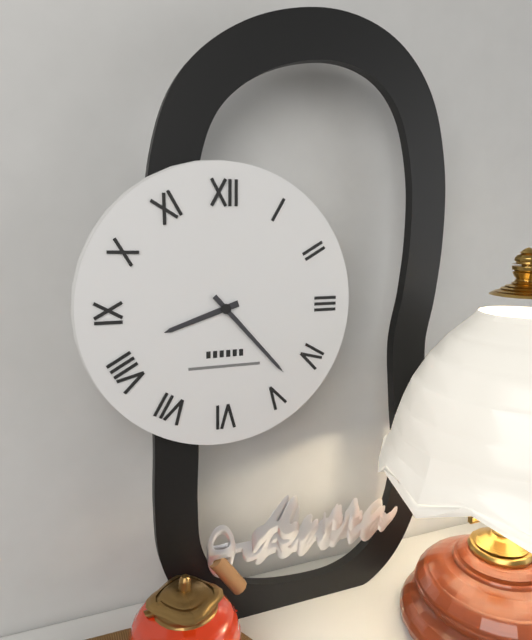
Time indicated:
8h23
